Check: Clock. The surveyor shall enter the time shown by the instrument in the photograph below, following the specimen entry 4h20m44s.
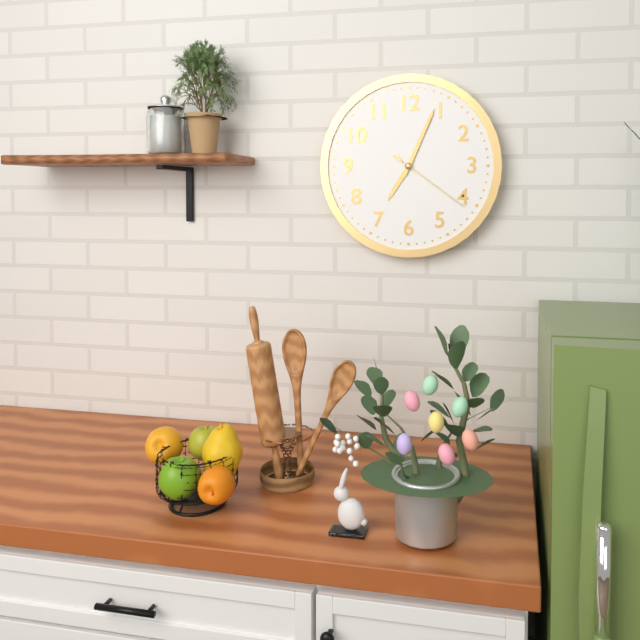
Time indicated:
7h04m21s
